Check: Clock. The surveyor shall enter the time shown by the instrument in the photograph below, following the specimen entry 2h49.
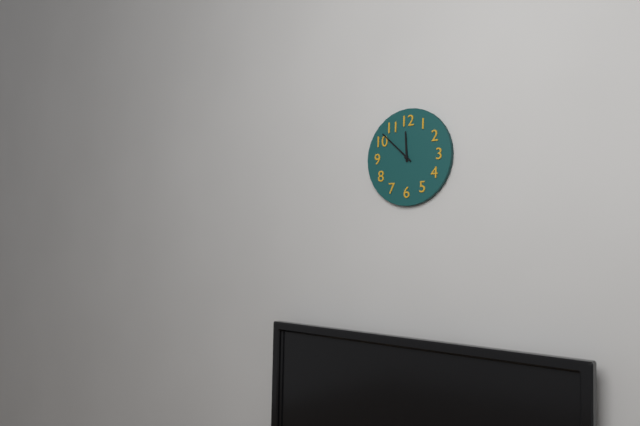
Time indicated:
11h52
